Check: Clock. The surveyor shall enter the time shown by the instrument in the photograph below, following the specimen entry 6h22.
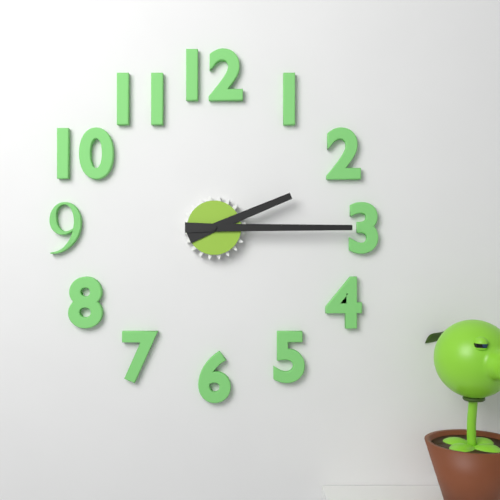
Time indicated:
2h15
